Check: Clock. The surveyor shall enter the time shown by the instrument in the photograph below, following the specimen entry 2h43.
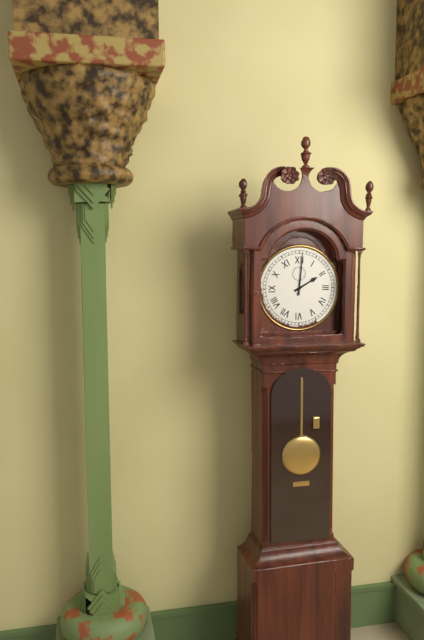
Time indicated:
2h01
